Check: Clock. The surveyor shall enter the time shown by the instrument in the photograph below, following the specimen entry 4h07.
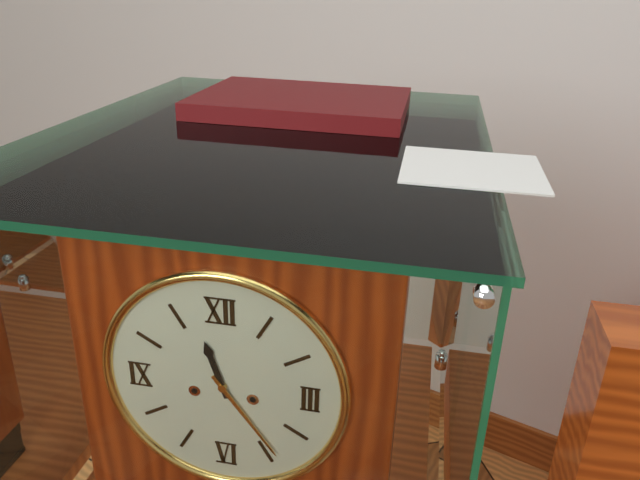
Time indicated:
11h24
